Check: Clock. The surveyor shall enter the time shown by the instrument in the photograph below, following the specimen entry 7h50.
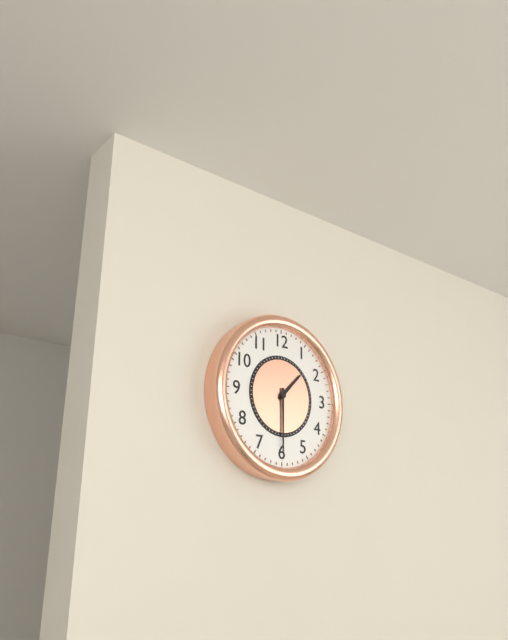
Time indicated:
1h30
